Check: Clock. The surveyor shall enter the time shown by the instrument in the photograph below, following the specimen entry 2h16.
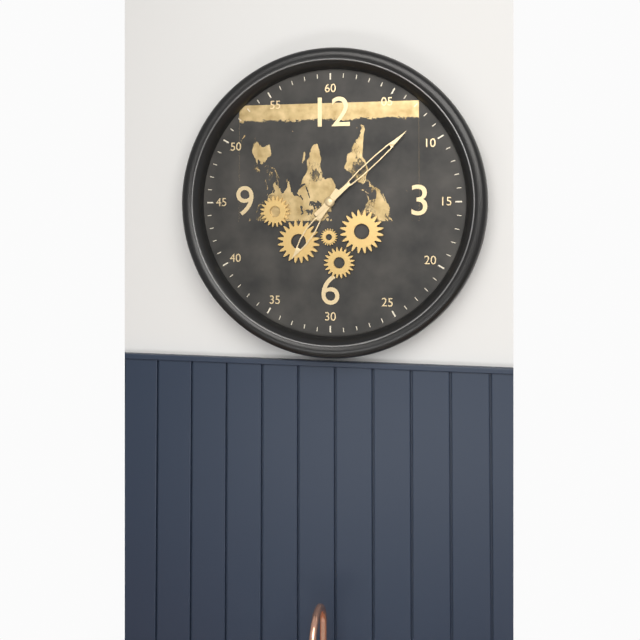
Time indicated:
7h08
